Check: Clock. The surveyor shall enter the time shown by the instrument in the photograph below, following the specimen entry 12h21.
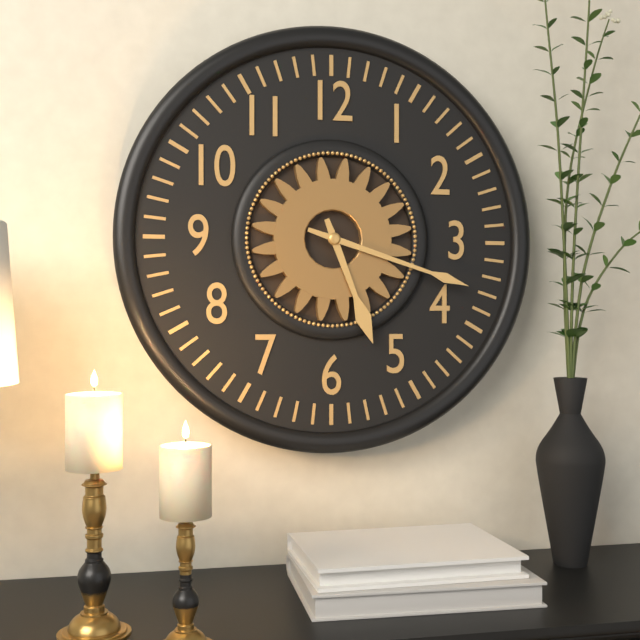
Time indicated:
5h18
